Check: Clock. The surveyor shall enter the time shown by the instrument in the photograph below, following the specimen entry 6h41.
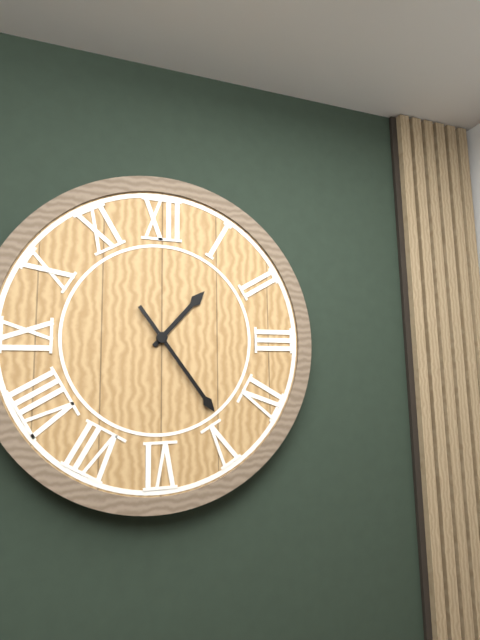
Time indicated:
1h24
